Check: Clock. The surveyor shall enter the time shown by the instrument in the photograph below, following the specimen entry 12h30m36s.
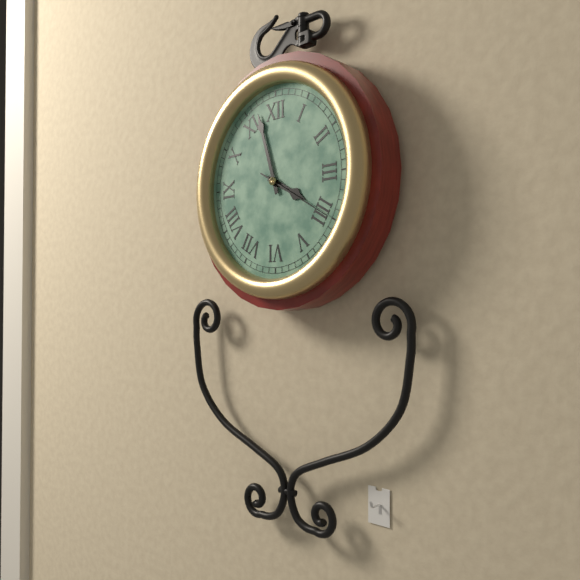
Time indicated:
3h57m20s
